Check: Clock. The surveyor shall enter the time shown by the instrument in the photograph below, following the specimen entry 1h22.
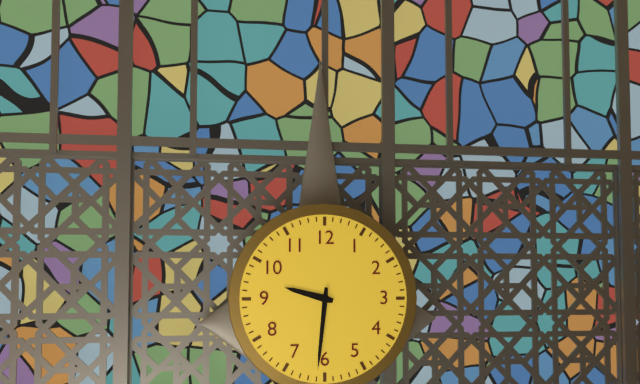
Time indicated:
9h31
